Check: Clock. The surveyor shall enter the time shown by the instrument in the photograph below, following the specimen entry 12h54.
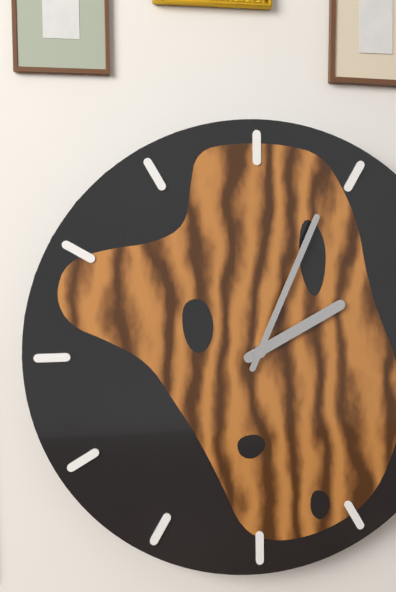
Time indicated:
2h04
